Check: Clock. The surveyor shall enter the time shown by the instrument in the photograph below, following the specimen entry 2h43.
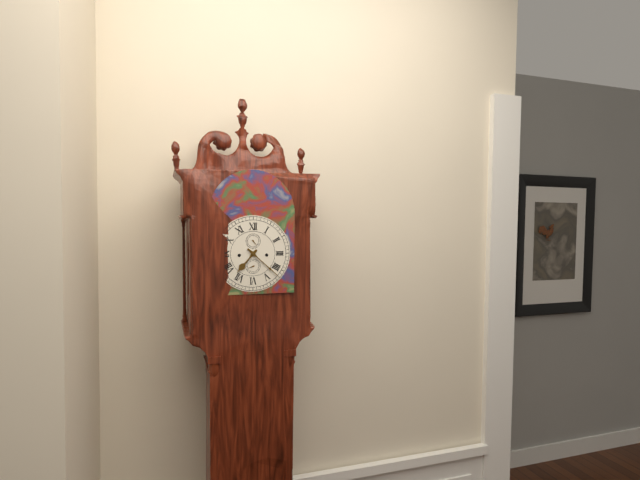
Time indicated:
7h22
